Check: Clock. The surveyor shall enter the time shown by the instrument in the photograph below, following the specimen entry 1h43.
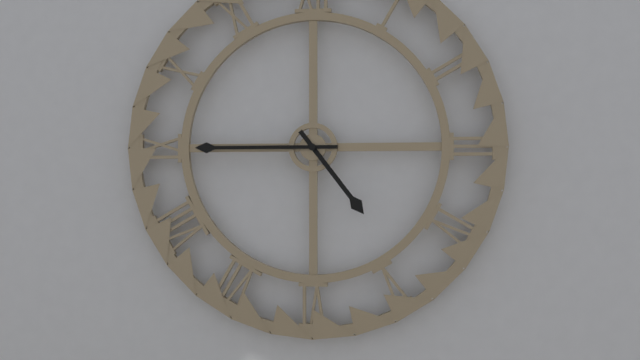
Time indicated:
4h45
